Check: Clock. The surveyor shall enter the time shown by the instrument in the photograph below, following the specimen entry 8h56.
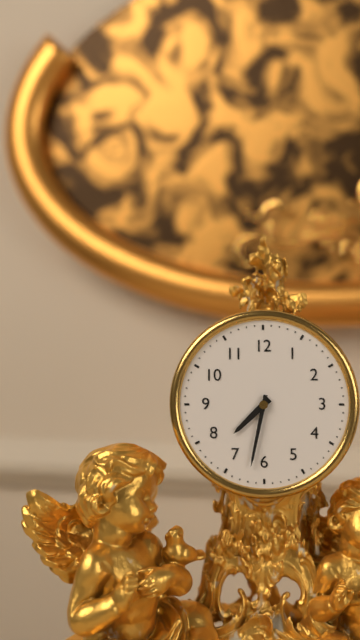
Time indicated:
7h32
